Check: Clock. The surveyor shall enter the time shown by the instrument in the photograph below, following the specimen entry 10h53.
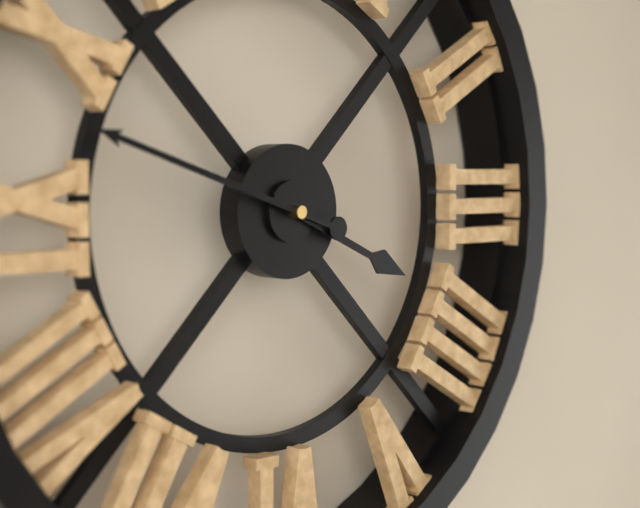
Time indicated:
3h48
